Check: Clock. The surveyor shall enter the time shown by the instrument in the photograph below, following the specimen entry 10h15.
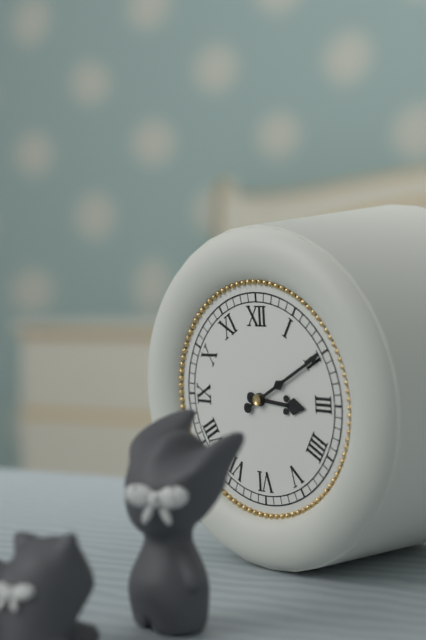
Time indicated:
3h10
